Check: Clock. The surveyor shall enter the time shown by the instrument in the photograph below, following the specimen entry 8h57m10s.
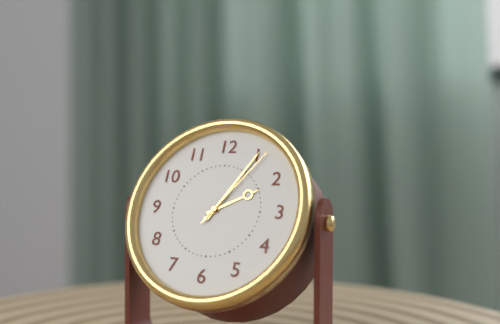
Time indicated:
2h05m06s
